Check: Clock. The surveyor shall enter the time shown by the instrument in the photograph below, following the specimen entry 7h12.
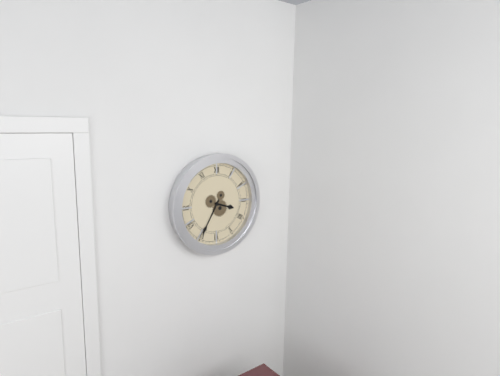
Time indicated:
3h35
